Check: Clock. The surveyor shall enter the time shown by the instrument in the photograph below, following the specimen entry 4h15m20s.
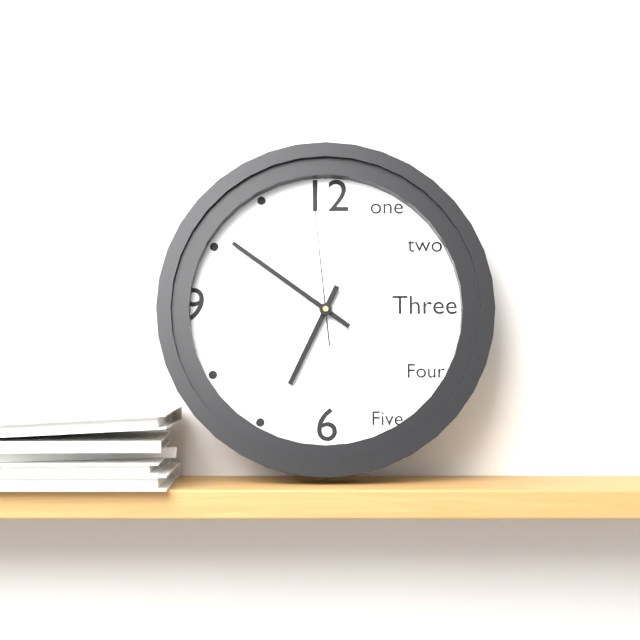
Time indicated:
6h51m59s
